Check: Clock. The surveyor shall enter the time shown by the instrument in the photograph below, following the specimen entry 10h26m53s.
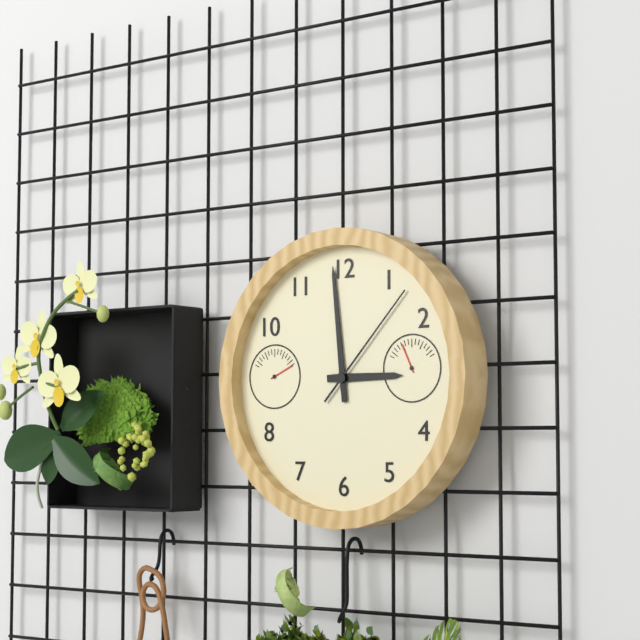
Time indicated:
2h59m07s
